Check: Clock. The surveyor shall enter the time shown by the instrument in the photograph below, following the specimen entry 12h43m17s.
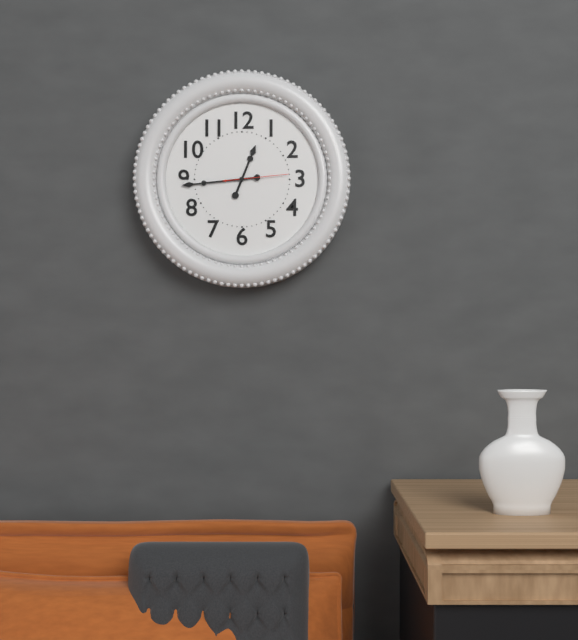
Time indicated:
12h44m14s
